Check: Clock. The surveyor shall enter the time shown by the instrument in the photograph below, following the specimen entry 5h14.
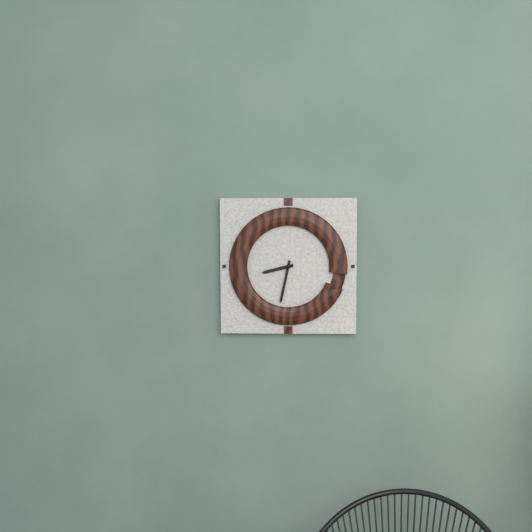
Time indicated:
8h32
